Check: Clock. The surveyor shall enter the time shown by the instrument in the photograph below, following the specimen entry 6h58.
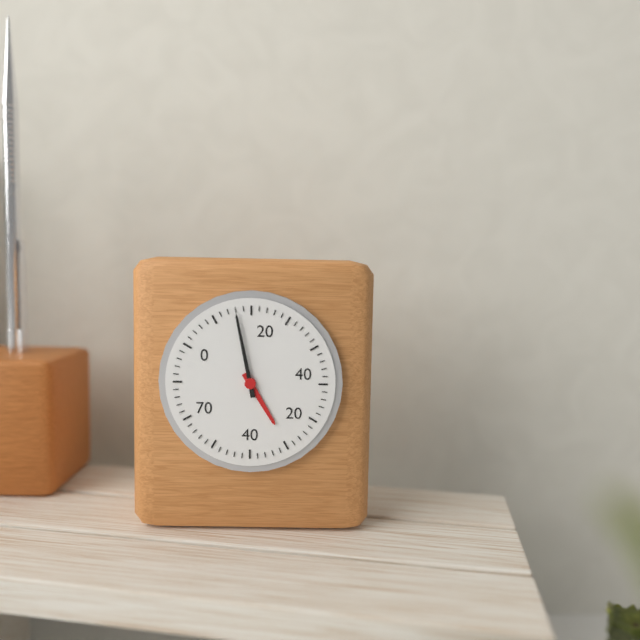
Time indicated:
4h58
